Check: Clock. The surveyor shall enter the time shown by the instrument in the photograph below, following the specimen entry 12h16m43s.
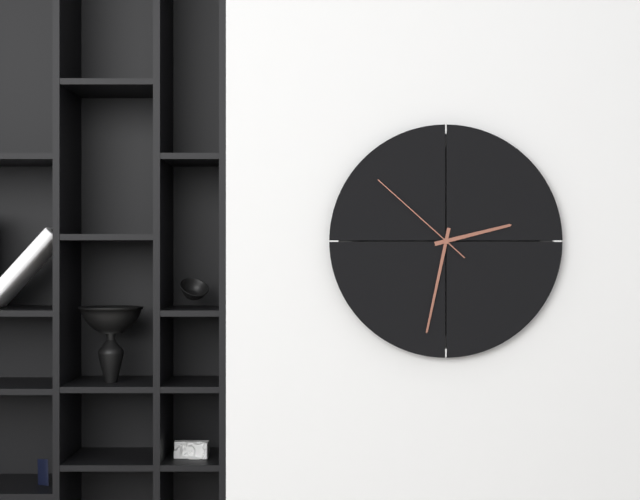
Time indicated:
2h32m52s
